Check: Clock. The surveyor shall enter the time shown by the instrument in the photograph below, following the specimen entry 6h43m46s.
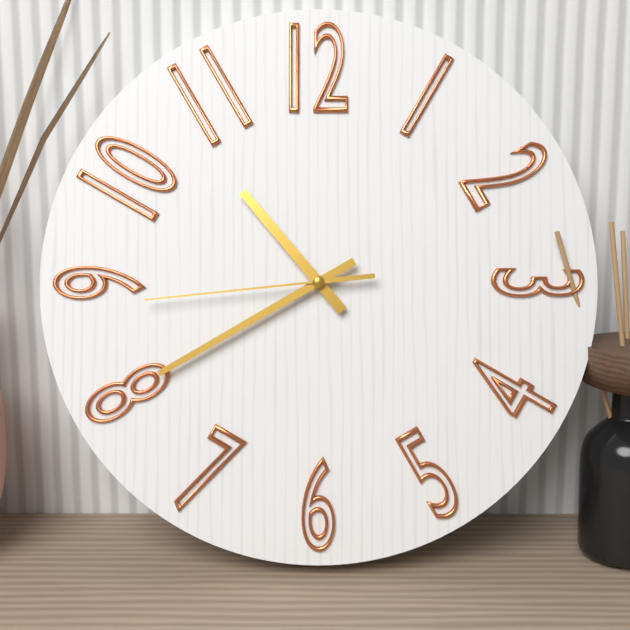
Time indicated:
10h40m44s
